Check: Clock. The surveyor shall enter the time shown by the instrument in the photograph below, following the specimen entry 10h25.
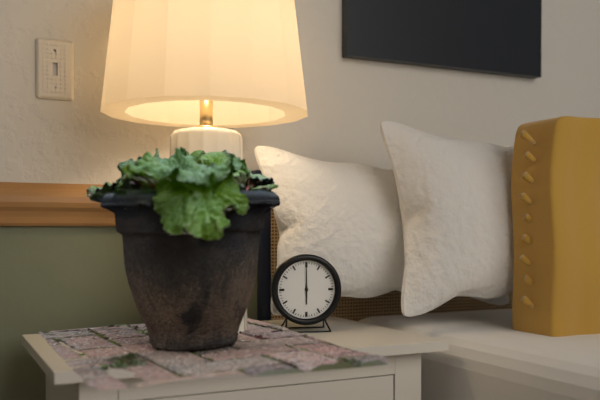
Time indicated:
6h00
